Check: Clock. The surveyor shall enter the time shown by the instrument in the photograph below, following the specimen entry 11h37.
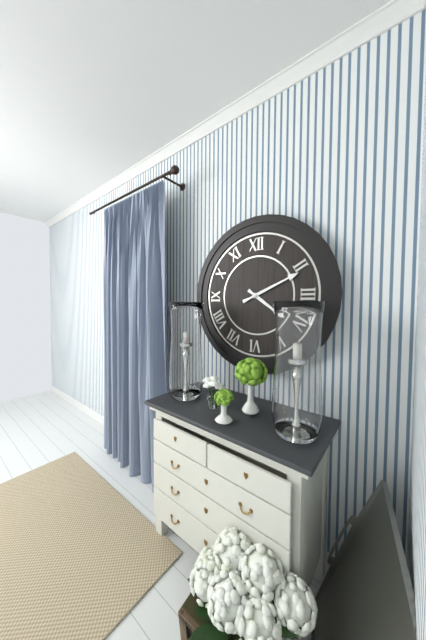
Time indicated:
4h11
